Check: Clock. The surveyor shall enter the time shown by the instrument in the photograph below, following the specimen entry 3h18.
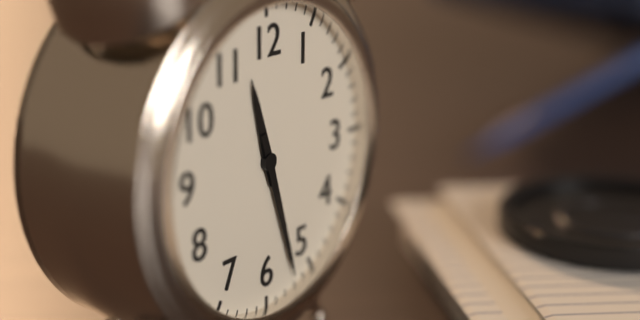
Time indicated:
11h27
